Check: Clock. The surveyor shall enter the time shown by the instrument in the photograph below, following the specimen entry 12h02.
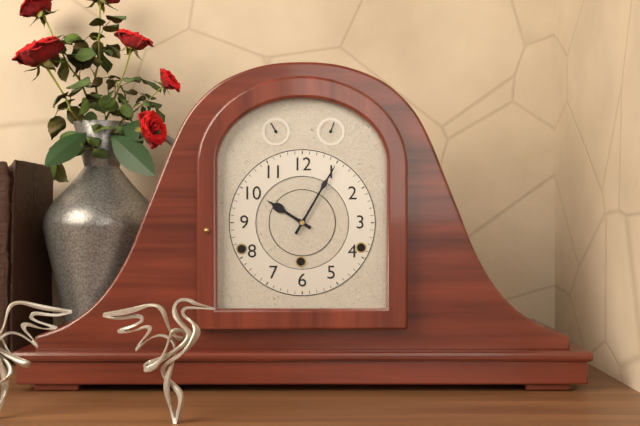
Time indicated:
10h05
